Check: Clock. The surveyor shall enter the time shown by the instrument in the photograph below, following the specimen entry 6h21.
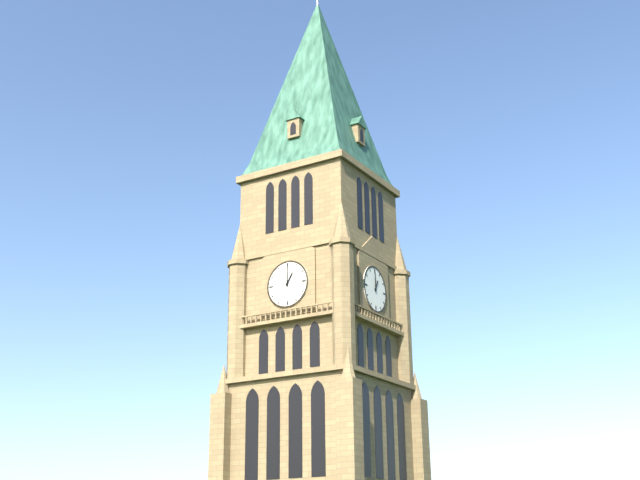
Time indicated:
1h00
